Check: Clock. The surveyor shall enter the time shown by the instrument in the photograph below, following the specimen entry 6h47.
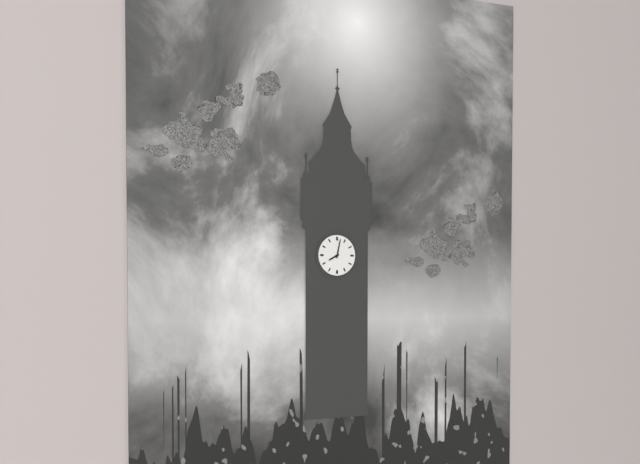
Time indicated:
8h02
